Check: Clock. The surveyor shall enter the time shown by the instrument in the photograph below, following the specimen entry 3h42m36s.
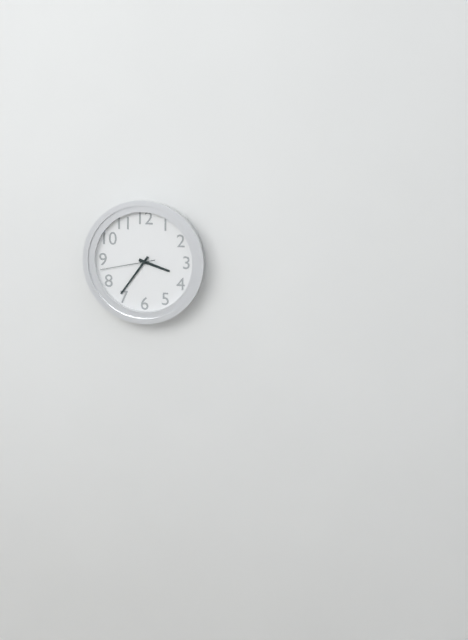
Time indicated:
3h36m43s
